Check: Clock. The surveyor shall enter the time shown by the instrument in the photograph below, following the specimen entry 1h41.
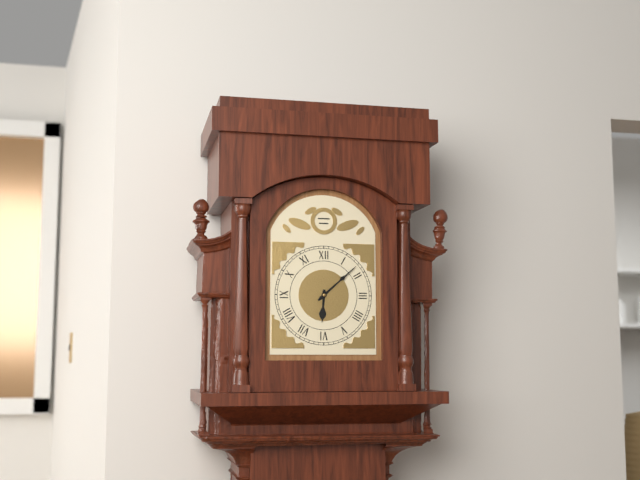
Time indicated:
6h08
